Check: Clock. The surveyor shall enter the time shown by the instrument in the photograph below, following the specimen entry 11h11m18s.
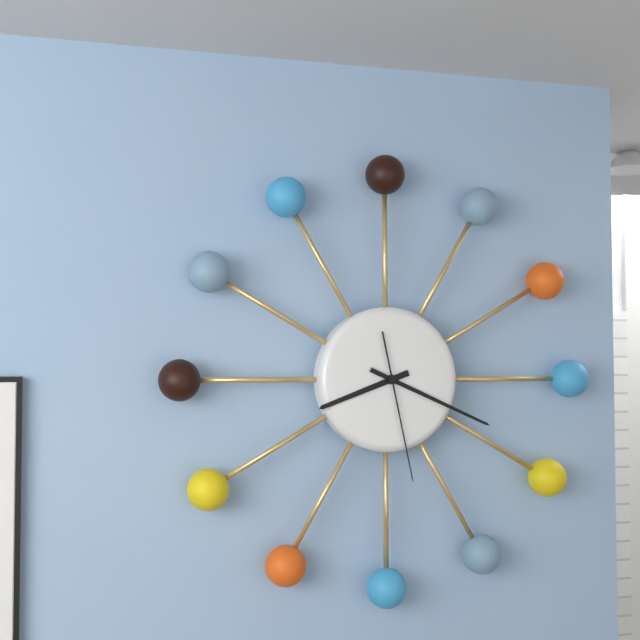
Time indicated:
8h19m28s
